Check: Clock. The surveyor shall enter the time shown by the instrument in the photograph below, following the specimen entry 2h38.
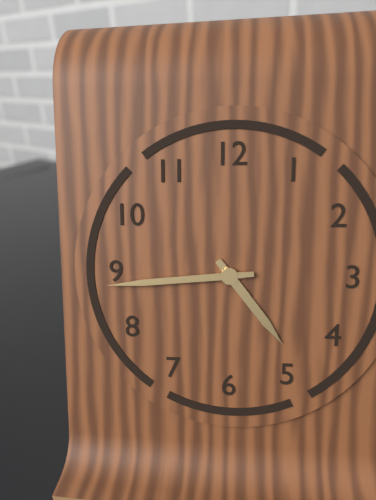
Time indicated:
4h44
